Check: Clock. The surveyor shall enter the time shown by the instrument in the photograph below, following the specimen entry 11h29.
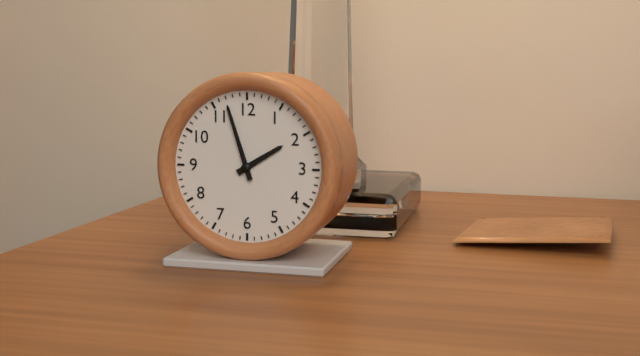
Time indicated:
1h57
